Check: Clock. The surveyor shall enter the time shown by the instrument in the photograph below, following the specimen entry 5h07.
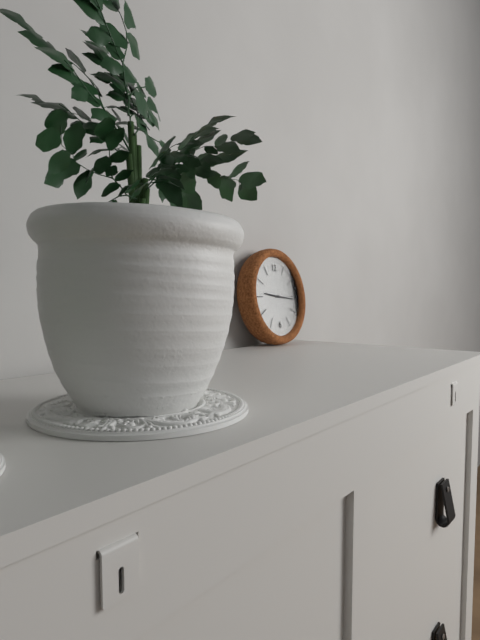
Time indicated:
9h16
